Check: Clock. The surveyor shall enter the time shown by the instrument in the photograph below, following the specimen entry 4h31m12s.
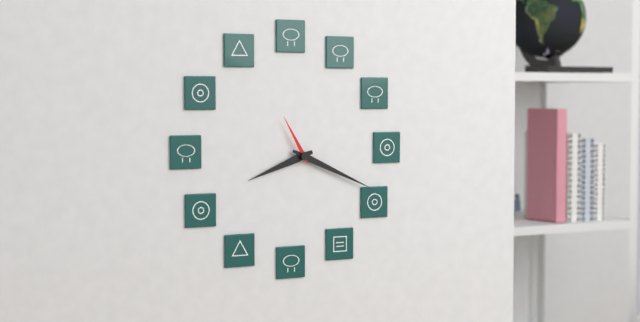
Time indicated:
8h19m55s
